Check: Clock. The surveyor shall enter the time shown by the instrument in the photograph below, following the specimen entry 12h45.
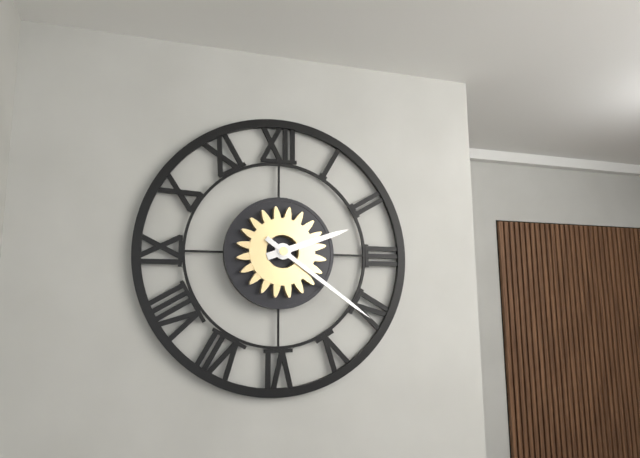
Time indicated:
2h21
